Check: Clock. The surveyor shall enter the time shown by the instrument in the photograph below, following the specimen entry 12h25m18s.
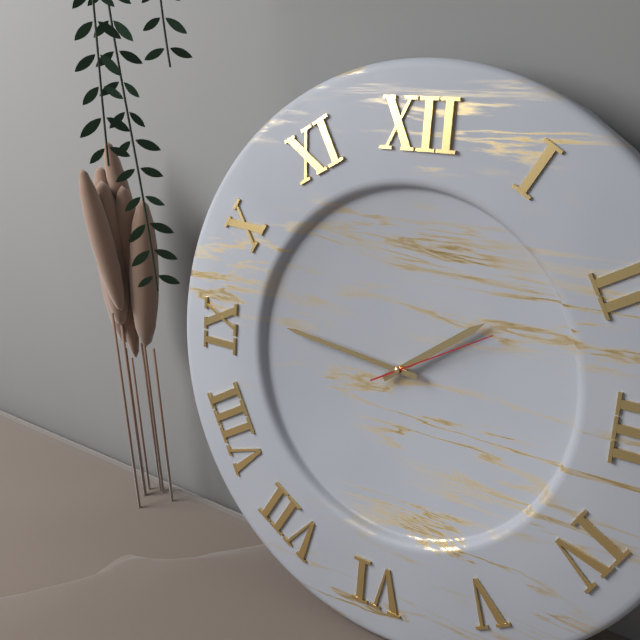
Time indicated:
1h46m10s
